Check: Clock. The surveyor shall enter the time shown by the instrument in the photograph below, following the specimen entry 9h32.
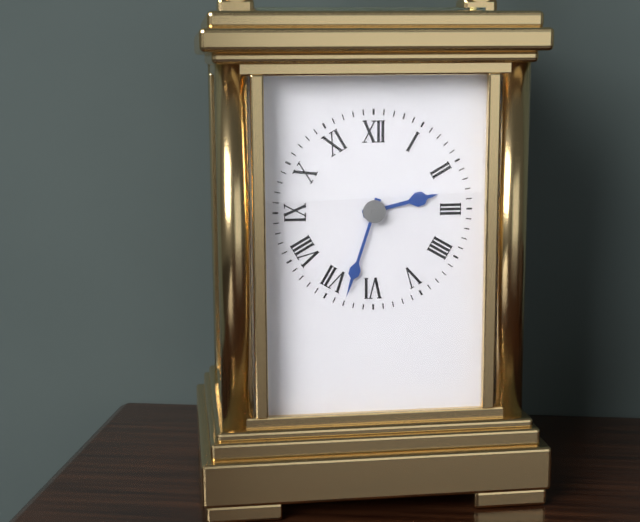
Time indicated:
2h33
